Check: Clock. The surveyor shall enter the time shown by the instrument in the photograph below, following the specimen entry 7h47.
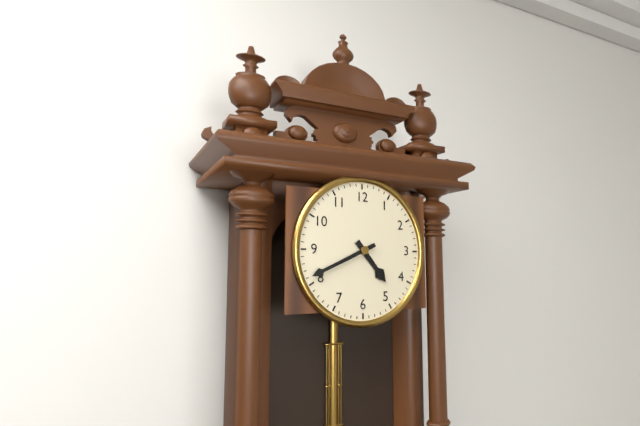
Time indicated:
4h41
